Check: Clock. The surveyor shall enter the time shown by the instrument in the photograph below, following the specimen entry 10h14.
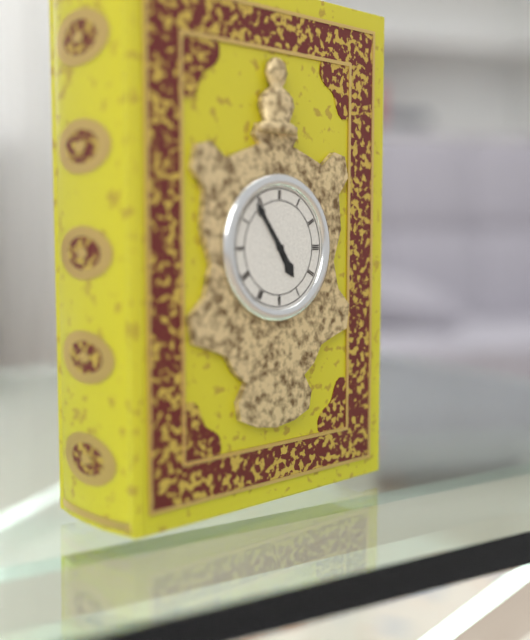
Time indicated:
4h54
